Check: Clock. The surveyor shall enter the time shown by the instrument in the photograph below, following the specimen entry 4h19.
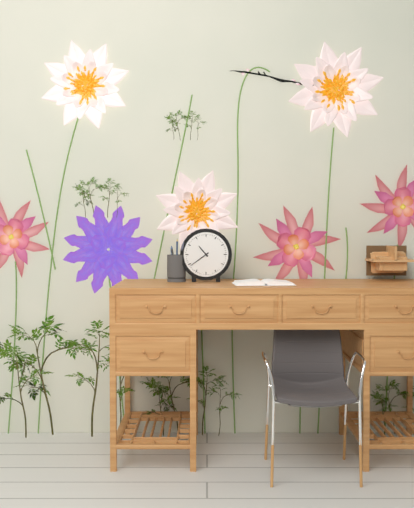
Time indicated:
10h39
